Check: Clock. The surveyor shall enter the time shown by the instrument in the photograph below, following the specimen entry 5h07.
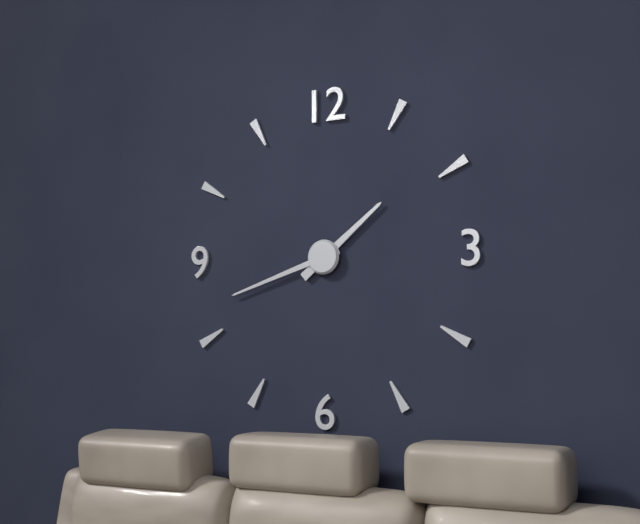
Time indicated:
1h42
